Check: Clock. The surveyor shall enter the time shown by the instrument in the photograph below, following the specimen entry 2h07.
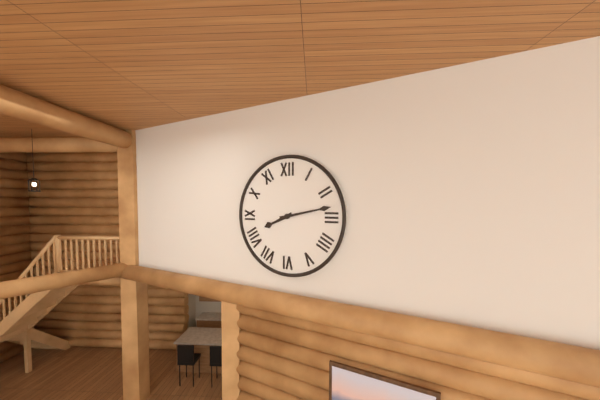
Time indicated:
8h13
